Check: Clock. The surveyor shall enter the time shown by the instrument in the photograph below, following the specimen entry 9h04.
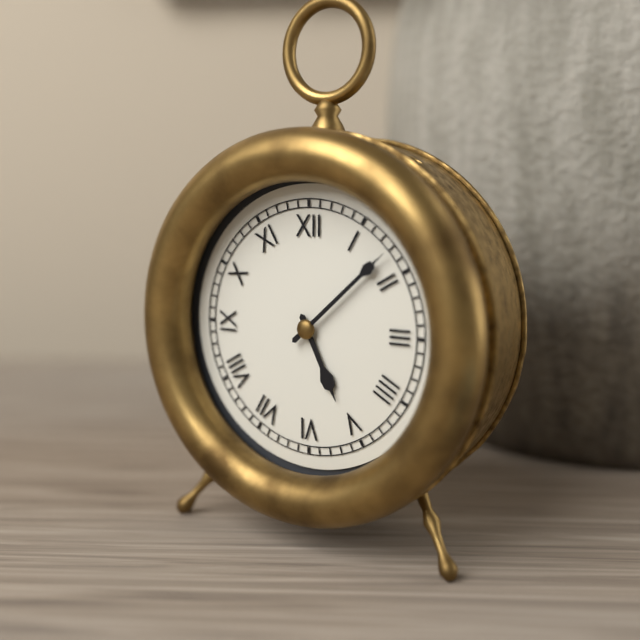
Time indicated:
5h08
